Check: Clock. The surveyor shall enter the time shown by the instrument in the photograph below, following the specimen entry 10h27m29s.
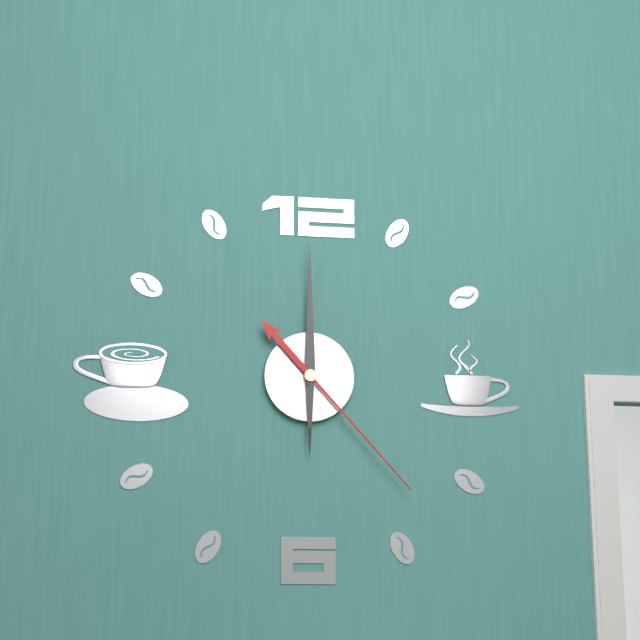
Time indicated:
6h00m23s
